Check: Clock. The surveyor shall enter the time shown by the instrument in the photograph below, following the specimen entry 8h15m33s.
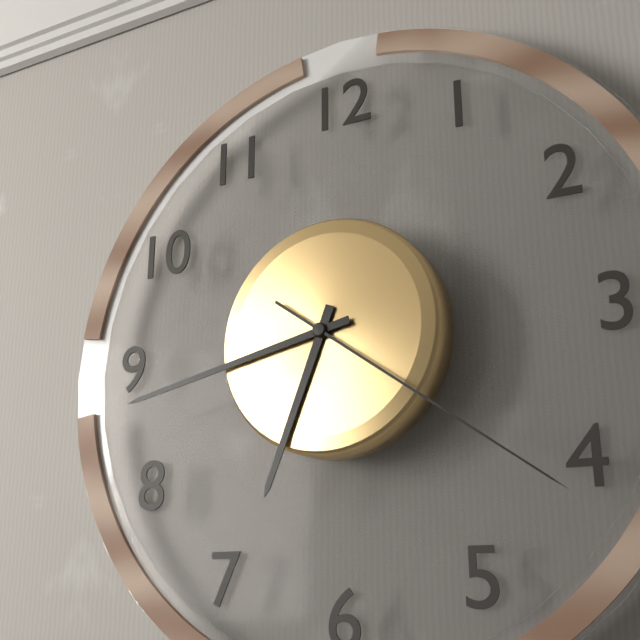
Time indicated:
6h43m21s
